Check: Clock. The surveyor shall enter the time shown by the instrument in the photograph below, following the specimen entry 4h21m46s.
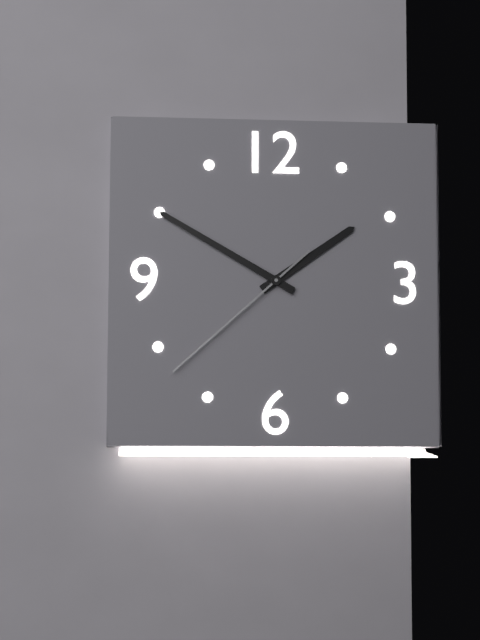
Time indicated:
1h50m38s
